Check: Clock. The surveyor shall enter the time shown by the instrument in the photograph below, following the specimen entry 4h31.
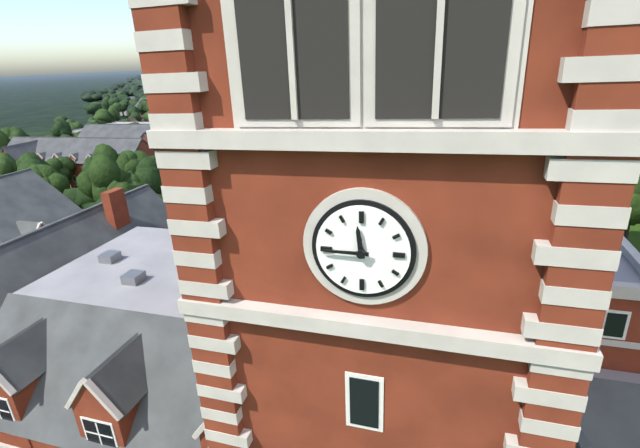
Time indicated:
11h45
